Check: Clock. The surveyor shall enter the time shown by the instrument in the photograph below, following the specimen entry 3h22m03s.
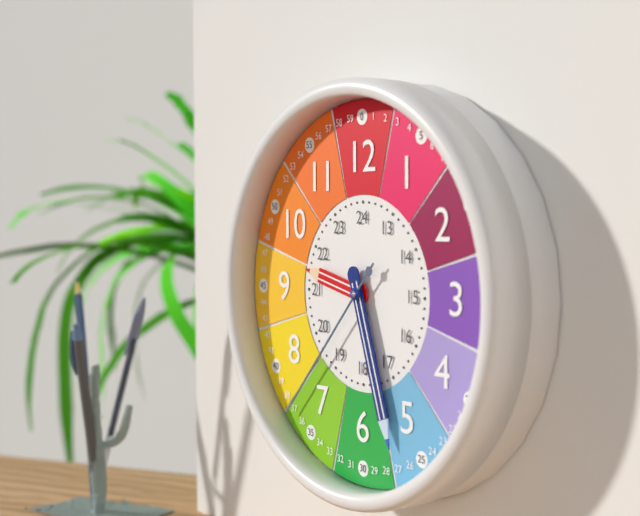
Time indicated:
9h27m37s
